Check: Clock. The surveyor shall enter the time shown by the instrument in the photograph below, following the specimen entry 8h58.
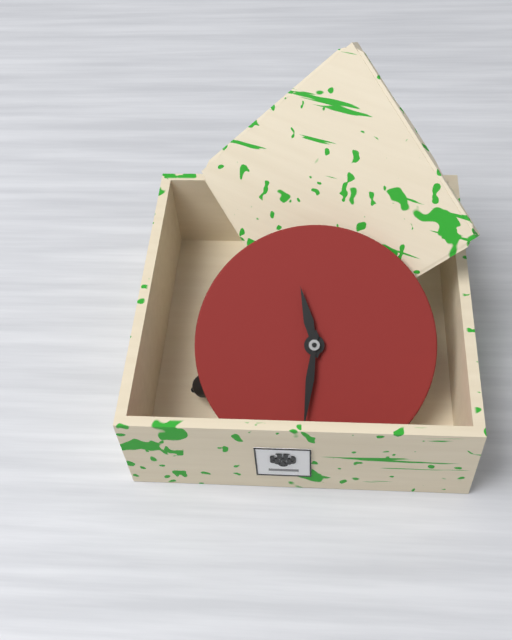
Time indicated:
11h31
